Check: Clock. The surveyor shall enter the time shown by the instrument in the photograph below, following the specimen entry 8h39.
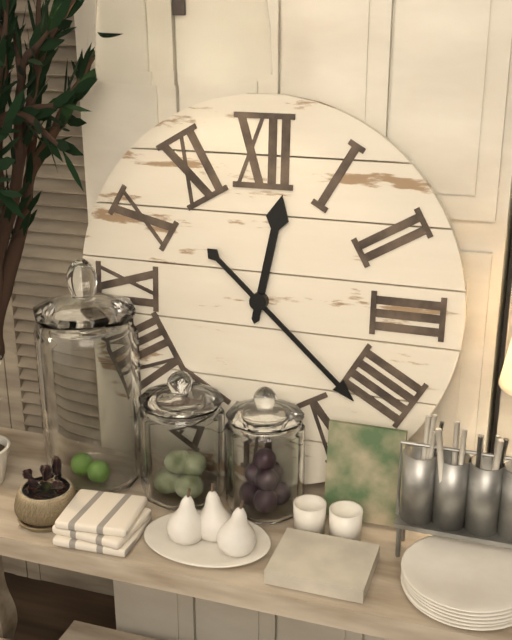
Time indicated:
12h22
